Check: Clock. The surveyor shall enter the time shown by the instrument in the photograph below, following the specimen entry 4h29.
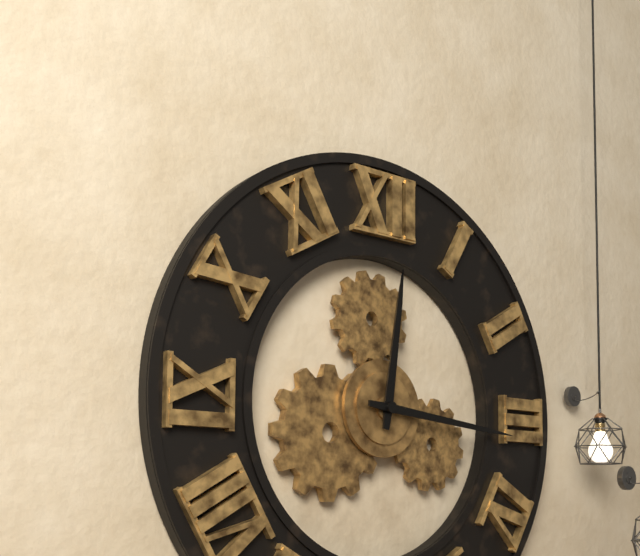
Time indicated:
12h16
